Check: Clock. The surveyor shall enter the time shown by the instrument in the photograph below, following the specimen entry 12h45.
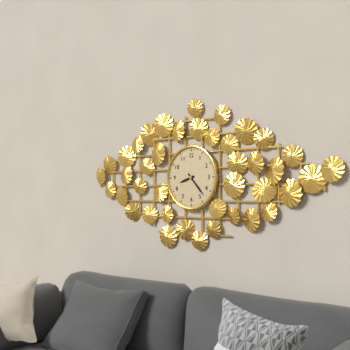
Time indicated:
8h23
